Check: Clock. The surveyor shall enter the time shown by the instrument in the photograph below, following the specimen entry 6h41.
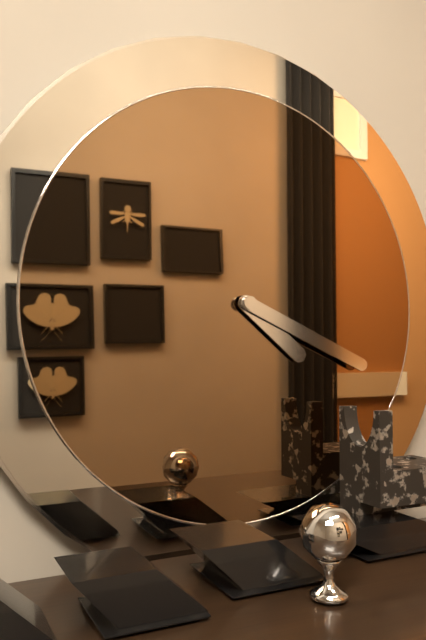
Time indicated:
4h19
